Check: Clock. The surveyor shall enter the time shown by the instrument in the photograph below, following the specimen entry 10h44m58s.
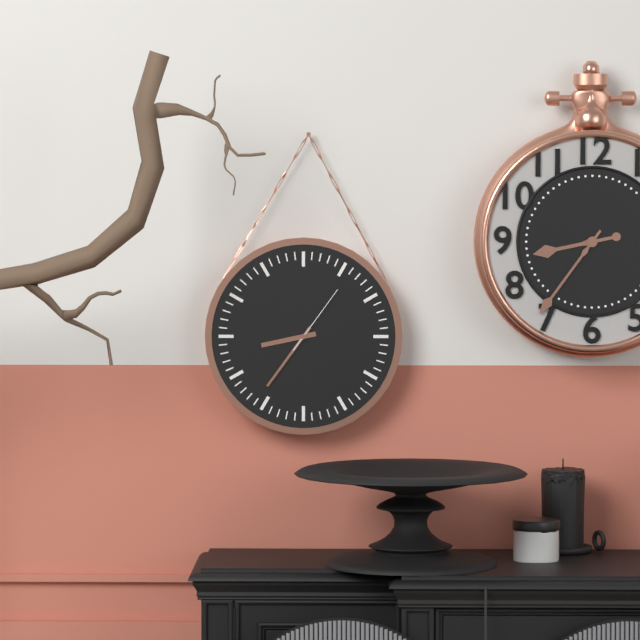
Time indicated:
8h36m06s
